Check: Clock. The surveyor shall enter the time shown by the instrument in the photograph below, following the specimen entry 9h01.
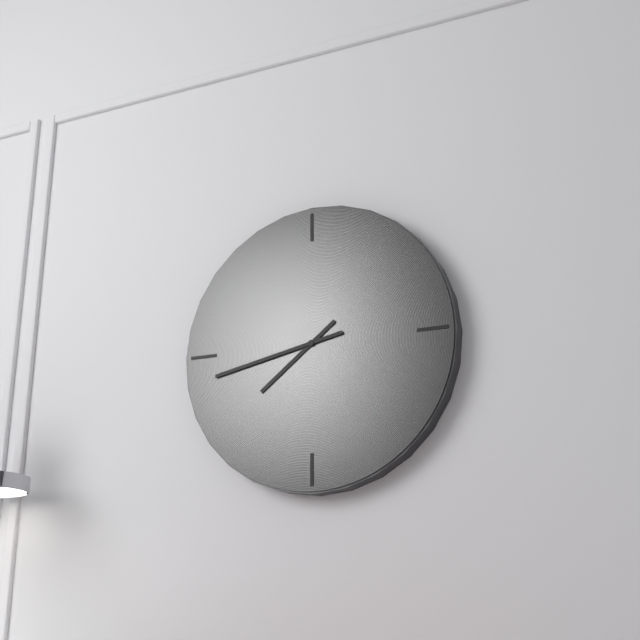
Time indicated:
7h43
